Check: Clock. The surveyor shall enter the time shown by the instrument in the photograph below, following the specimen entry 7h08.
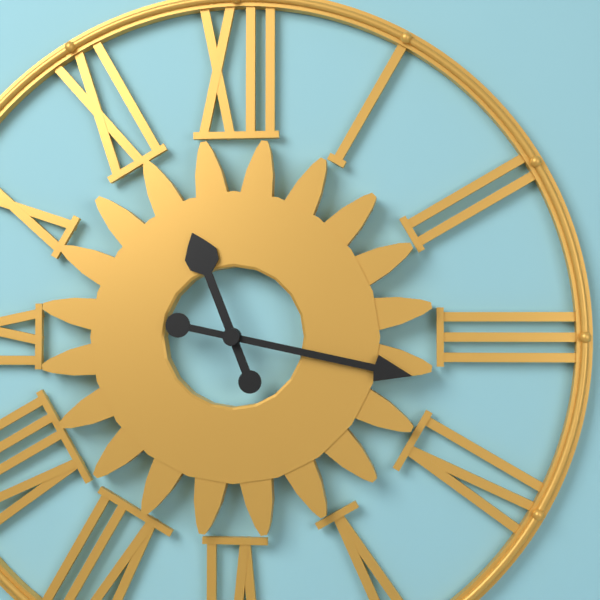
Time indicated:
11h17
